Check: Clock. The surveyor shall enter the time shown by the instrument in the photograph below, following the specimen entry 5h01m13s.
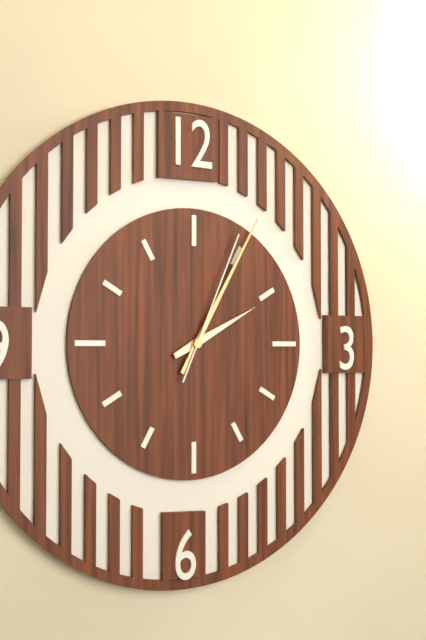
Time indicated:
2h05m04s
